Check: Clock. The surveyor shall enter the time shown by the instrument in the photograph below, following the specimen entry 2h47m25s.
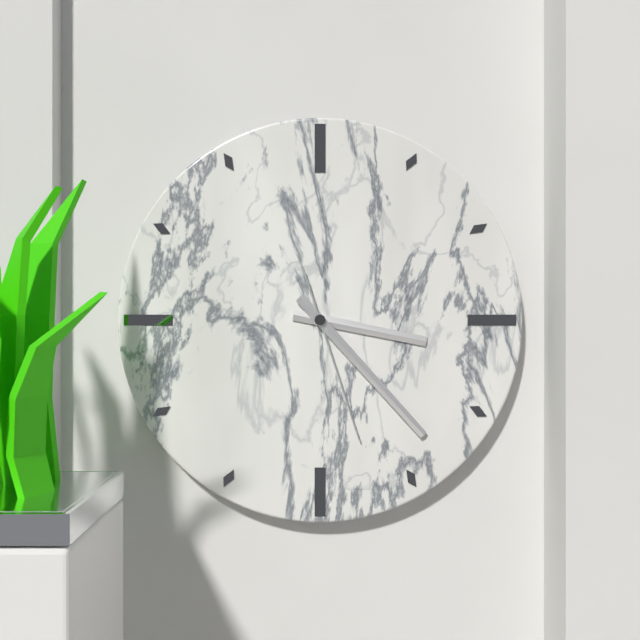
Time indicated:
3h23m27s
